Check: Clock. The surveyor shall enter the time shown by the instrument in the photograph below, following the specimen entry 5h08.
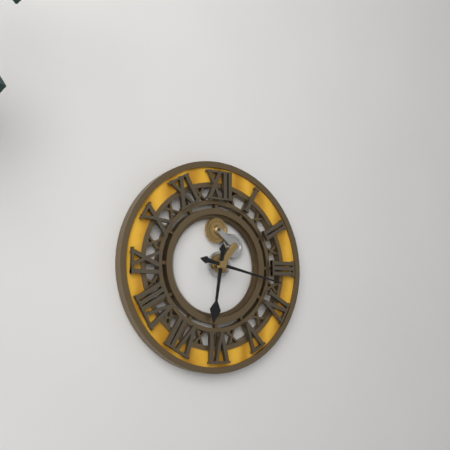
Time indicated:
6h17
